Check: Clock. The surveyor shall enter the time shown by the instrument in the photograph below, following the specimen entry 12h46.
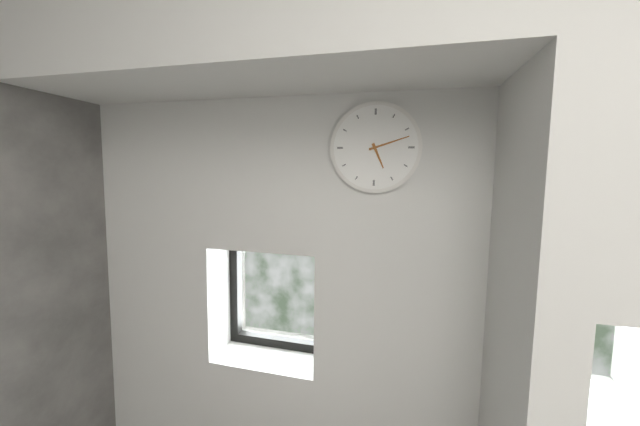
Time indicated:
5h12
